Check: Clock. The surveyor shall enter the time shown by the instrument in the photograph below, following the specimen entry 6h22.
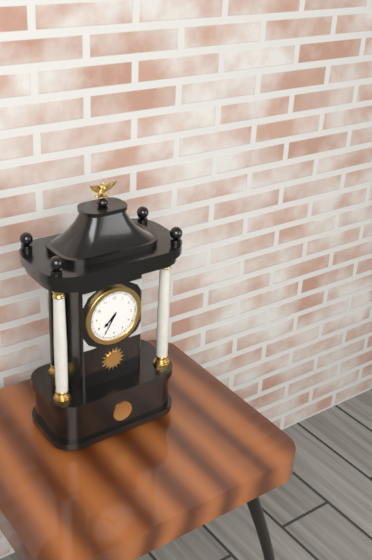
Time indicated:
7h35
